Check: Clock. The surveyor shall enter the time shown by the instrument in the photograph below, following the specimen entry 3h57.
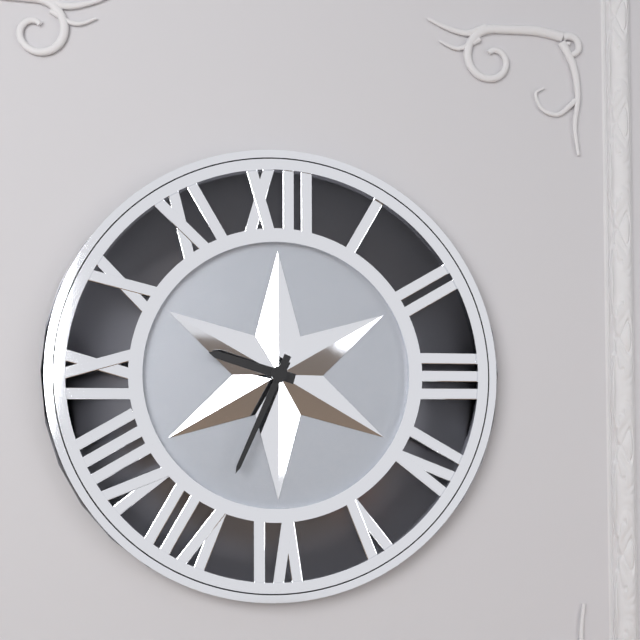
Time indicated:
9h34
